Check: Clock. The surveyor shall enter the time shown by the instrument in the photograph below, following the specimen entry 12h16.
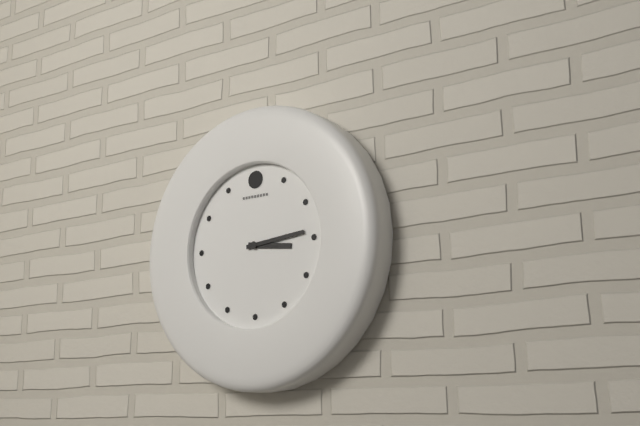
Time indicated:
3h14
